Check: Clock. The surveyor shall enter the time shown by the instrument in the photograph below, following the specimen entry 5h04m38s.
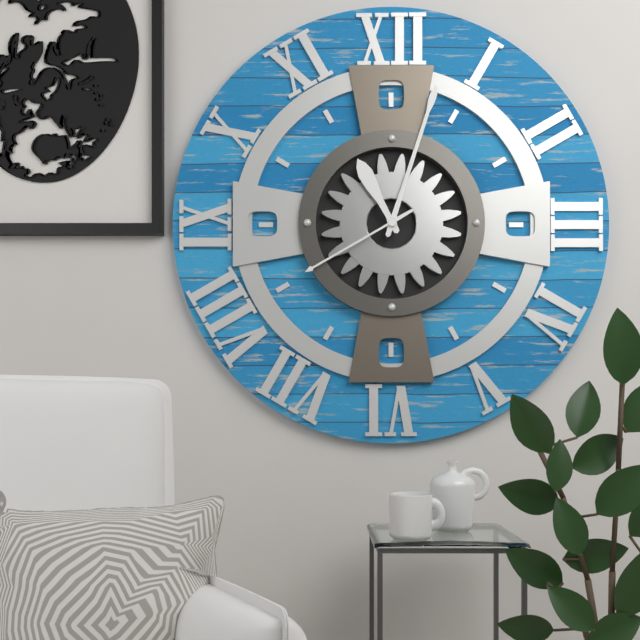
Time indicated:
11h03m40s
